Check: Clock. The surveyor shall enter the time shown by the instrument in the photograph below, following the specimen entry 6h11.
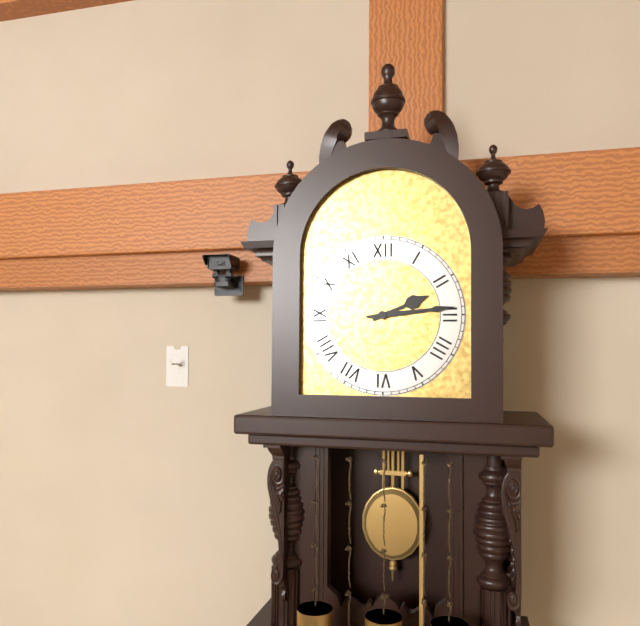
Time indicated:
2h14
